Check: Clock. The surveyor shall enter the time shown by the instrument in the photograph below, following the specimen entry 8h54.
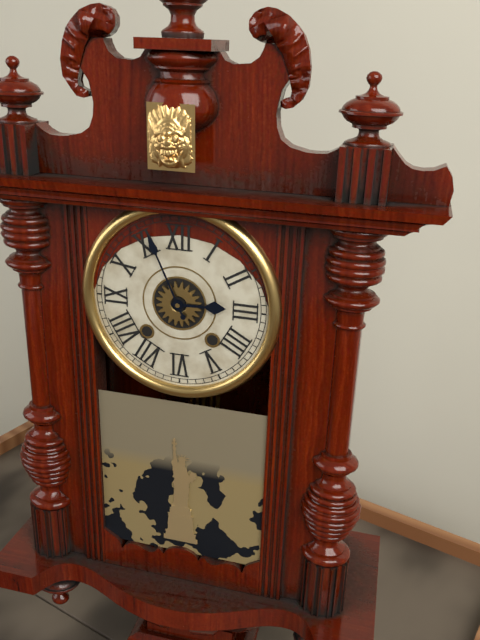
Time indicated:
2h56
